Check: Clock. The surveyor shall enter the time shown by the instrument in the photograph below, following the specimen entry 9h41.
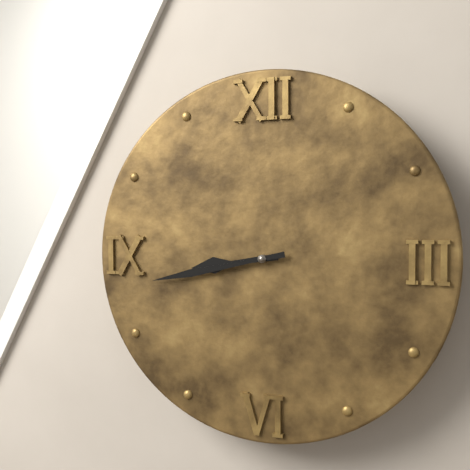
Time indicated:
8h43
